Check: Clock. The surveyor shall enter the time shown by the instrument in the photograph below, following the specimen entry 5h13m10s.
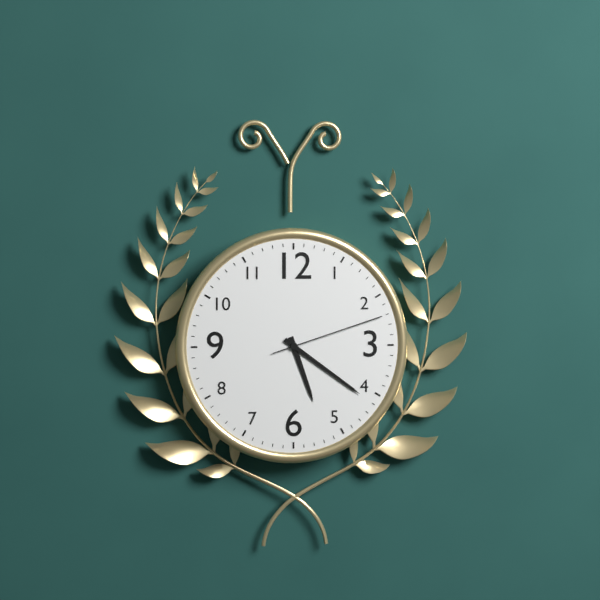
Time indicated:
5h21m12s
